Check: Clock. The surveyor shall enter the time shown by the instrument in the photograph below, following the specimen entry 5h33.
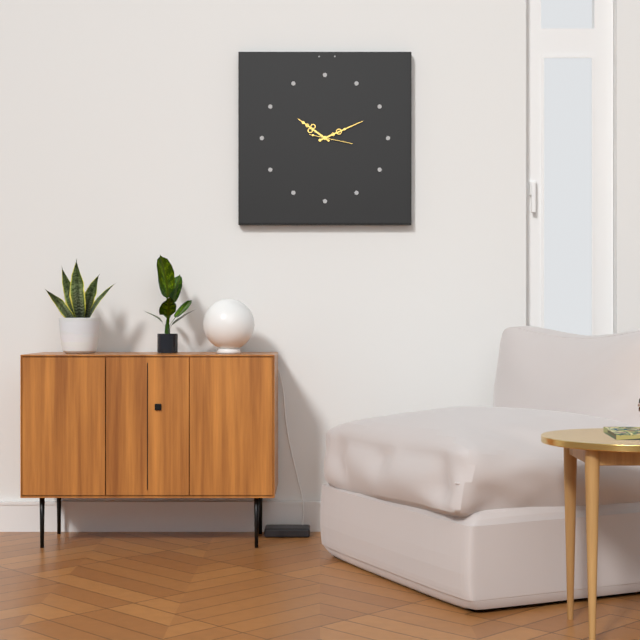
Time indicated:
10h11
